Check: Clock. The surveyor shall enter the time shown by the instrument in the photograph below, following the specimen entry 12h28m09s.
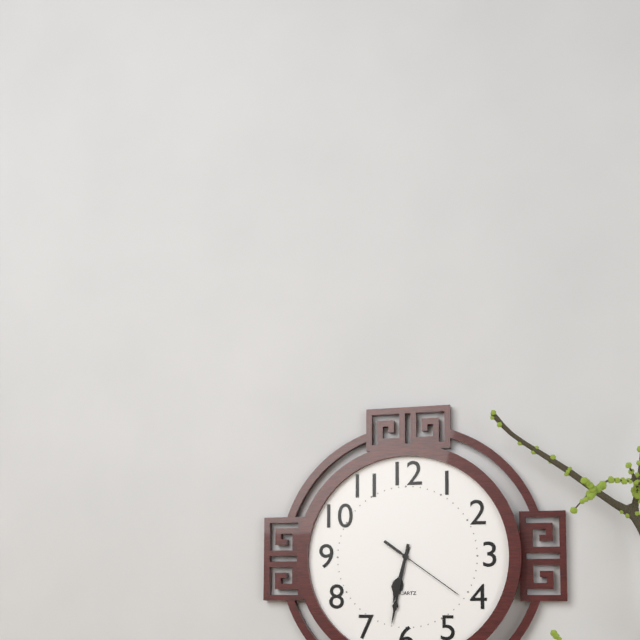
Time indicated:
6h32m21s
